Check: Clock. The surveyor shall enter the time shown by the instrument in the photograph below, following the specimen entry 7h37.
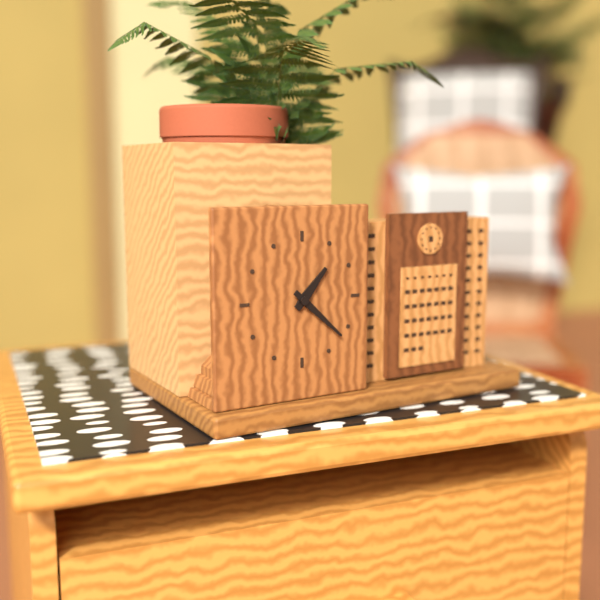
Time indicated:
1h22
